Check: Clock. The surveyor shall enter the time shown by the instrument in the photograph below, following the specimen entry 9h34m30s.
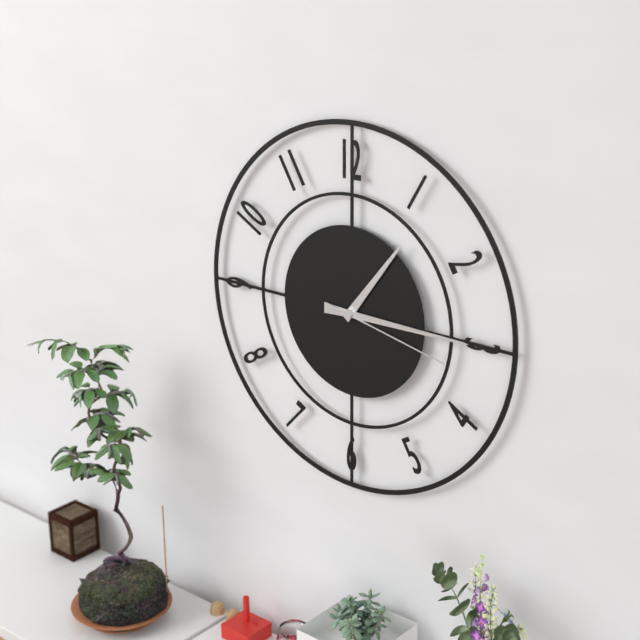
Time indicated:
1h15m17s
